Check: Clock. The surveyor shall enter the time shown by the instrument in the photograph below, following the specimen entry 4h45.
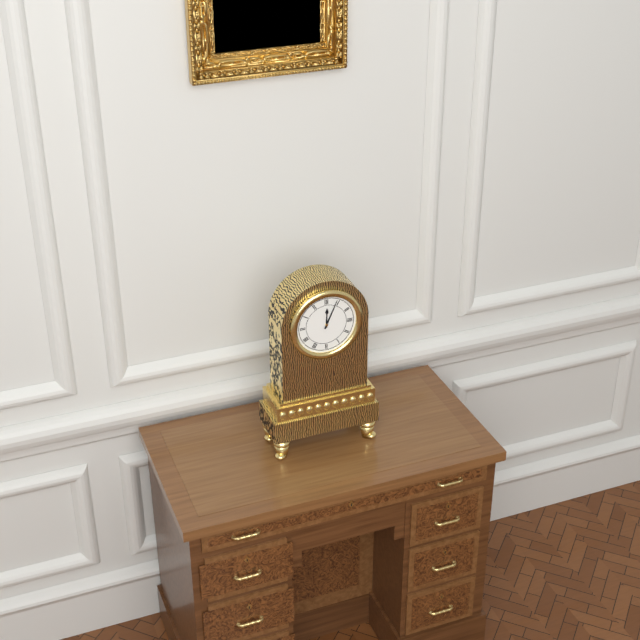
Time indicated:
12h04
